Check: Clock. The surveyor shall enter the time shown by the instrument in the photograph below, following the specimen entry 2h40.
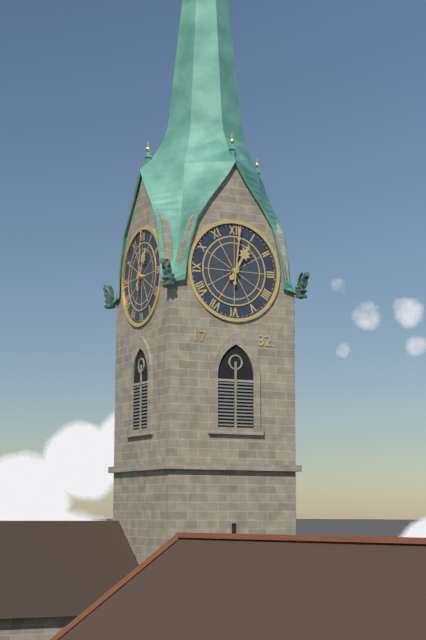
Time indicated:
1h01
